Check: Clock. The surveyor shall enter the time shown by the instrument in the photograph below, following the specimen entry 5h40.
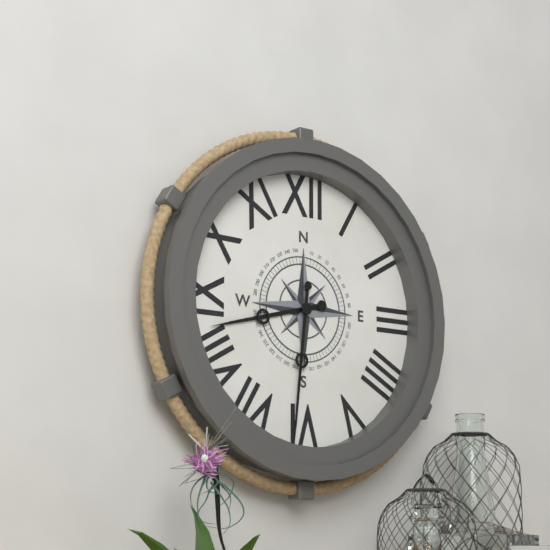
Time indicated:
8h31
